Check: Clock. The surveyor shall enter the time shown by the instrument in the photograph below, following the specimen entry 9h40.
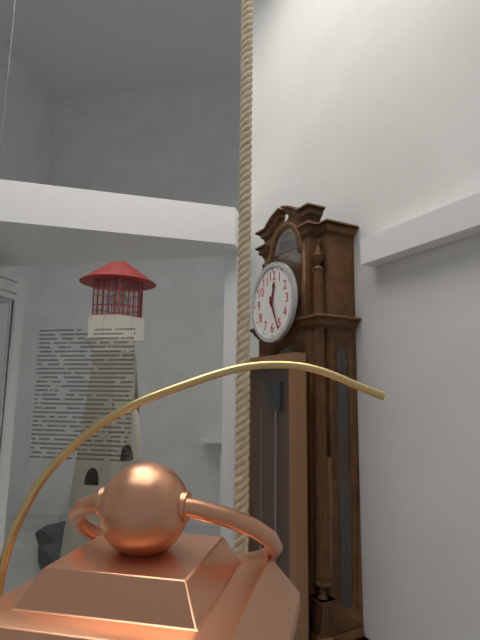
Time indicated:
12h26
